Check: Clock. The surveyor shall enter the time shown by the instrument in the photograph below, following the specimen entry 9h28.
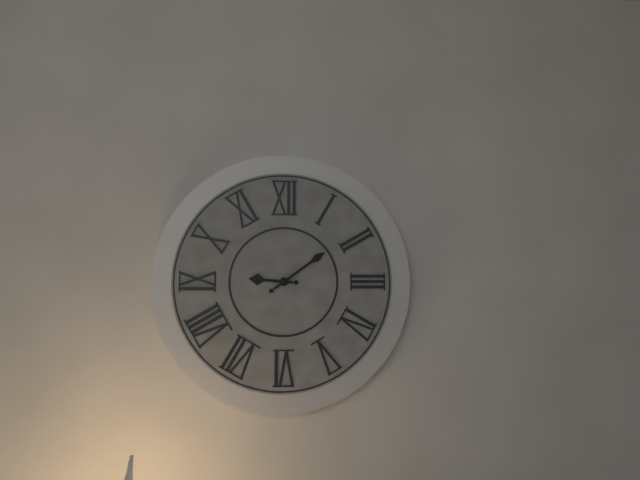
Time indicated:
9h09
